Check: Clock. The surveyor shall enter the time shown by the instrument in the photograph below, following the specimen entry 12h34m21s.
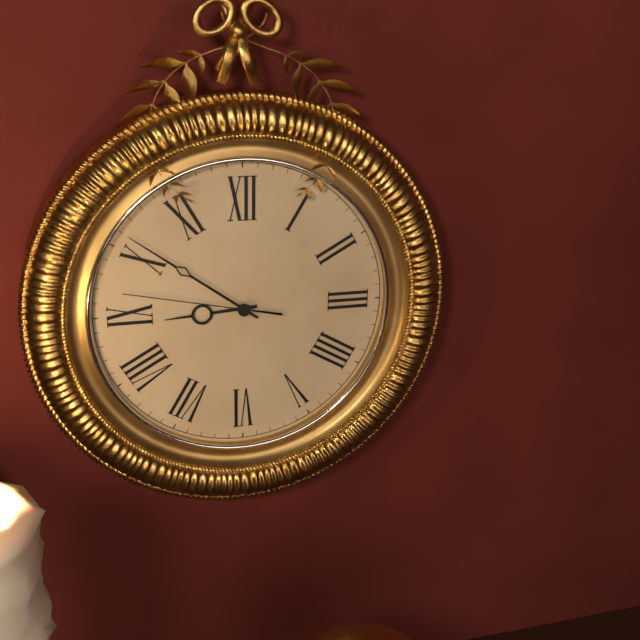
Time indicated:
8h51m47s
